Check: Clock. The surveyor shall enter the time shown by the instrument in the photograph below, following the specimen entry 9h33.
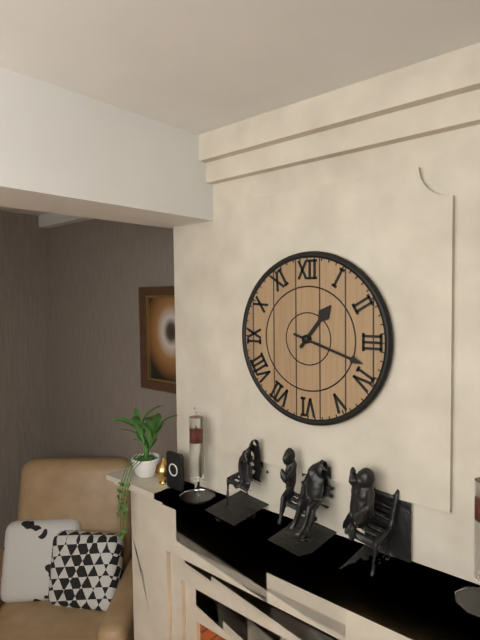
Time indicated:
1h18
